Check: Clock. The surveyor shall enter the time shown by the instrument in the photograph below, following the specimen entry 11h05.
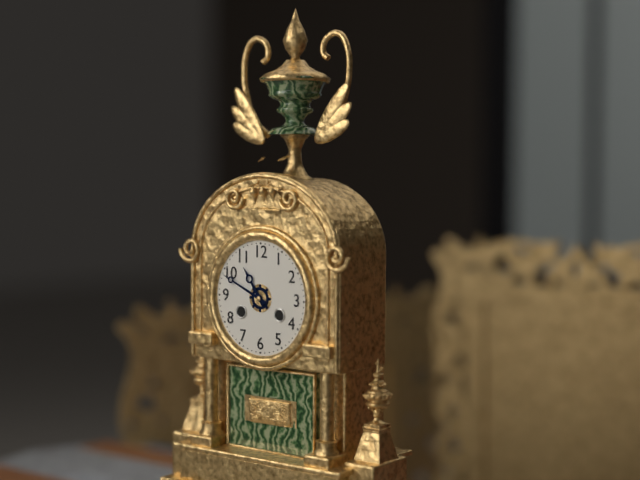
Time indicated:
10h49
